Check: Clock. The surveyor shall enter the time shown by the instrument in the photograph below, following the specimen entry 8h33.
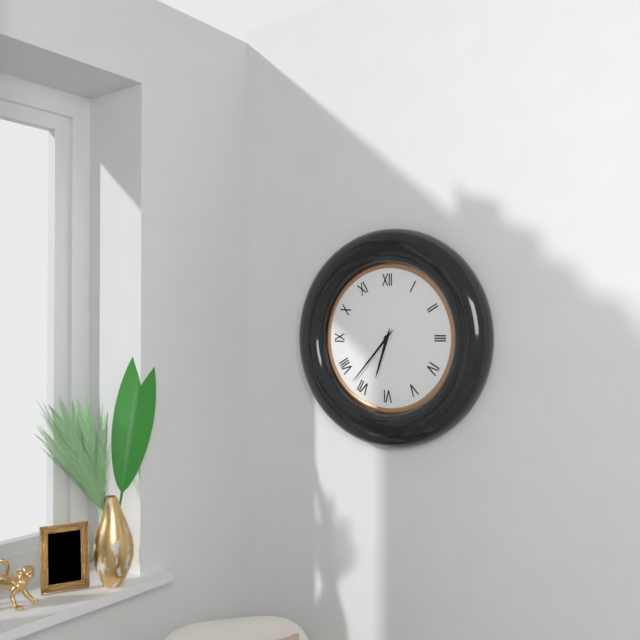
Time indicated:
6h37
